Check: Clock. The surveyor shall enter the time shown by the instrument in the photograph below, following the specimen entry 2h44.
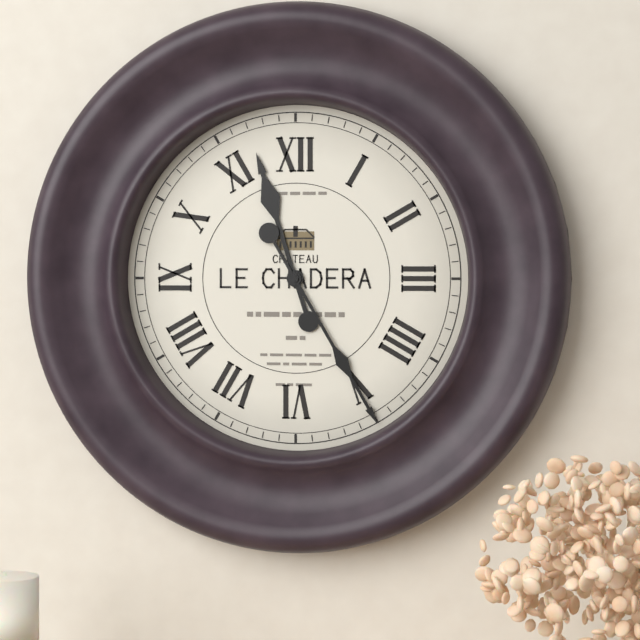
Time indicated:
11h25
